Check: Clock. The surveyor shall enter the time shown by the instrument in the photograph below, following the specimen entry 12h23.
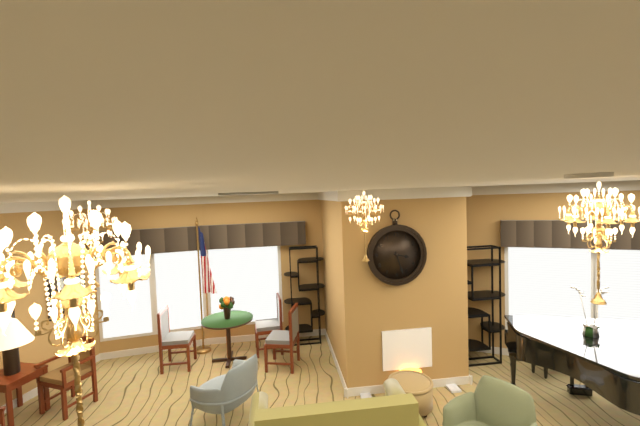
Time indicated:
3h27
